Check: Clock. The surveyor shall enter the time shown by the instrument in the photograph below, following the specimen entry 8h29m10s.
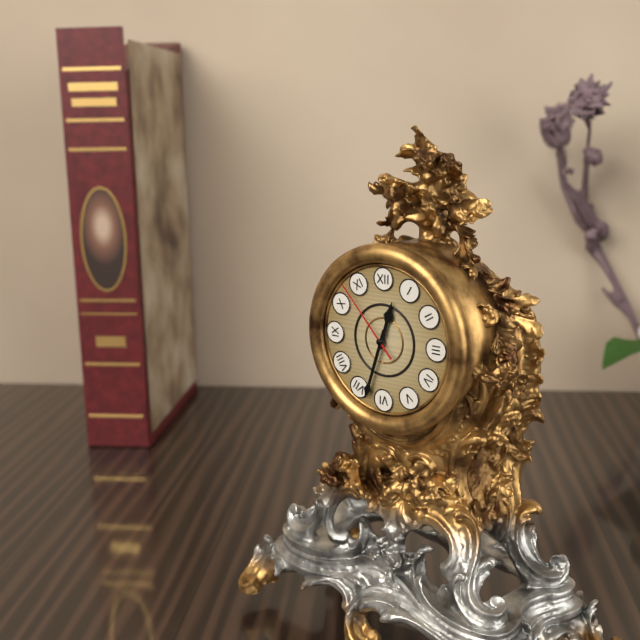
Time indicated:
12h33m53s
